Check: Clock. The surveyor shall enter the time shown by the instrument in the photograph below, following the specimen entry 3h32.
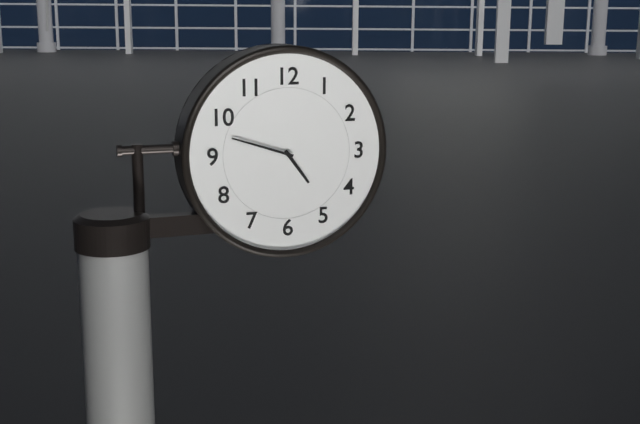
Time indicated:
4h48
